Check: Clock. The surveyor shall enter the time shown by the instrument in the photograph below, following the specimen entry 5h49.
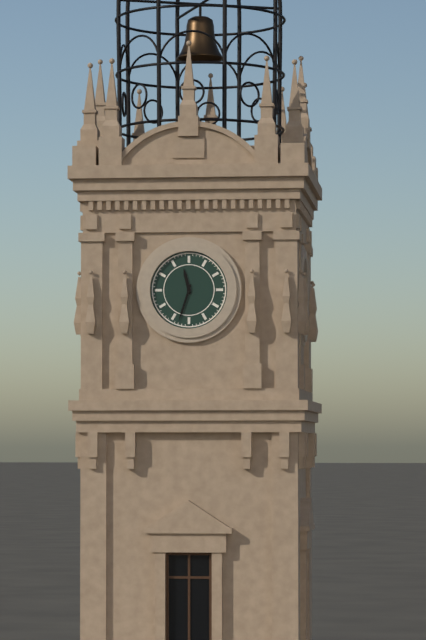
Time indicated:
11h33
